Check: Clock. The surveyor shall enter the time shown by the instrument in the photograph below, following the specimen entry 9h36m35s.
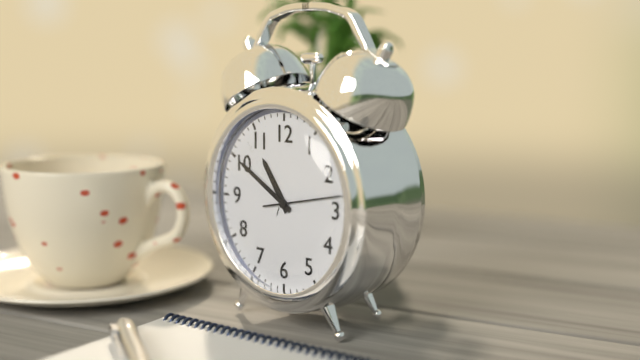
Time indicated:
10h50m13s
